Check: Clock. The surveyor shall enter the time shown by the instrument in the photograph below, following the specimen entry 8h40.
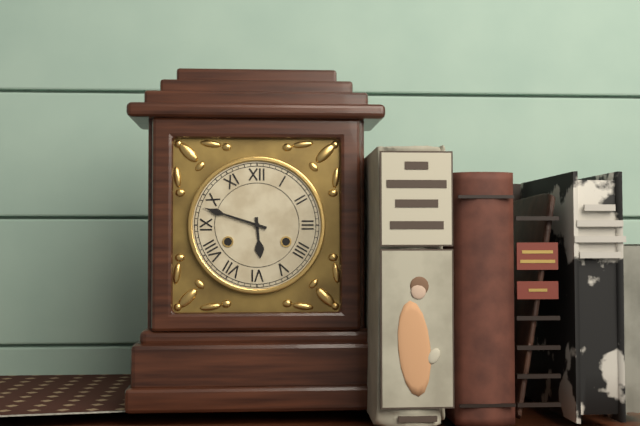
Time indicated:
5h48
